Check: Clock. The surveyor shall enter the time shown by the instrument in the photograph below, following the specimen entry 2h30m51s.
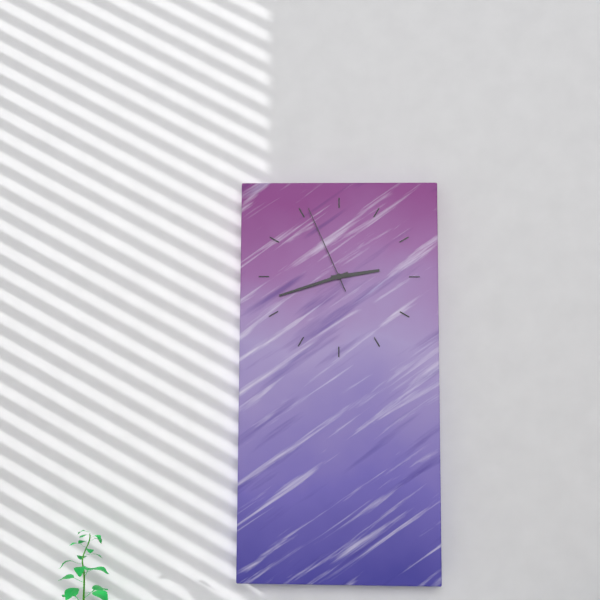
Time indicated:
2h42m56s
